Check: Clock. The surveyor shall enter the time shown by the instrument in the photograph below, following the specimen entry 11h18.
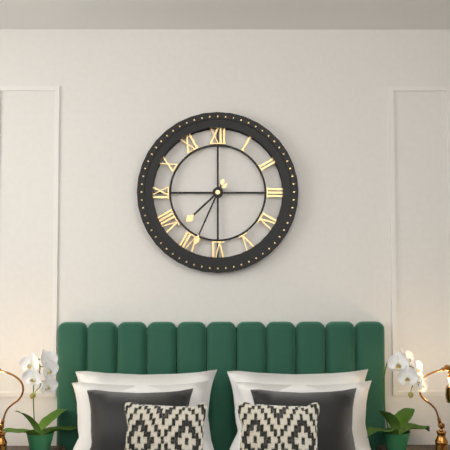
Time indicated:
7h34
